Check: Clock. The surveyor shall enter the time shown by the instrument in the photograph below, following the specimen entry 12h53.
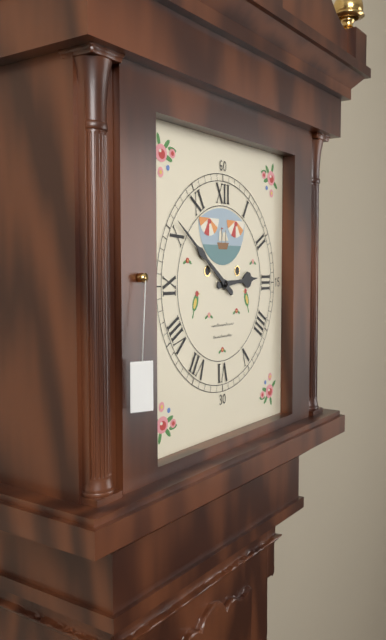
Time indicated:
2h51
